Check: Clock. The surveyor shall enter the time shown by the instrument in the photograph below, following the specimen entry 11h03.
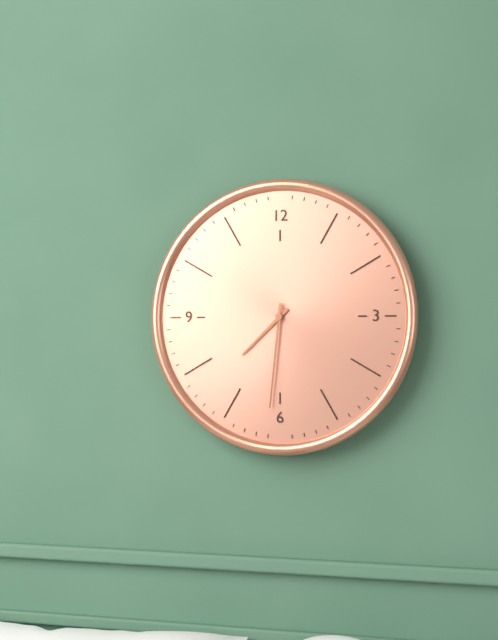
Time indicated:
7h31
